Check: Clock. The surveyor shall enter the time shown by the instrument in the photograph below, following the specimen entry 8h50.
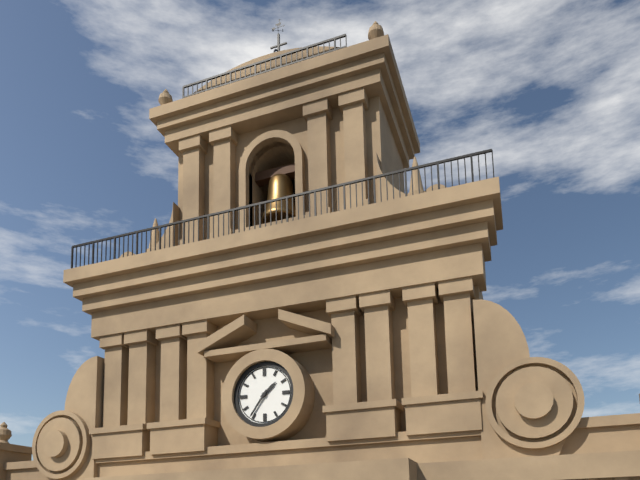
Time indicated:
1h36
